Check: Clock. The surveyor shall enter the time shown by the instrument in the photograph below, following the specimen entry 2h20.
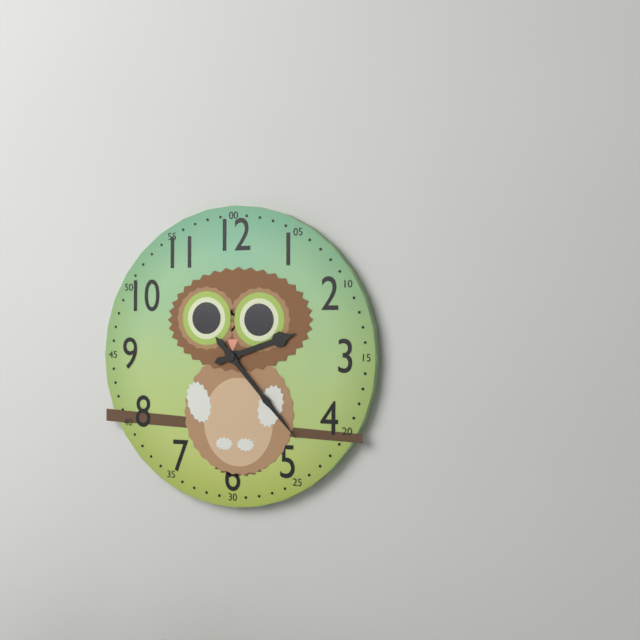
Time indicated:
2h23
